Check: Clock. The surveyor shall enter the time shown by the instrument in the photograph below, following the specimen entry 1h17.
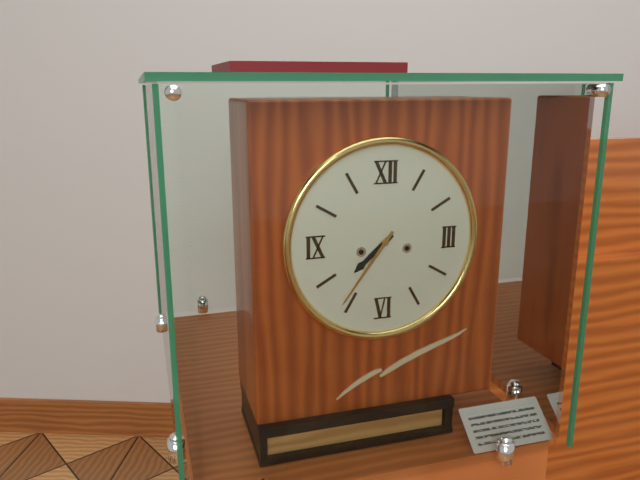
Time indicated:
7h36
